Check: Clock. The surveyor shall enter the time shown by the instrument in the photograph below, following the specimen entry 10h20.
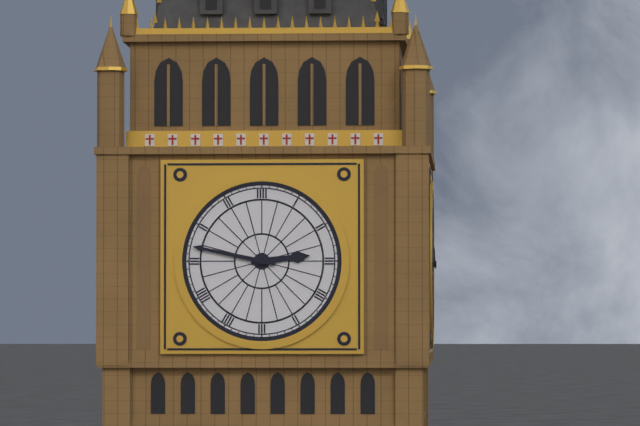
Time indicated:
2h47
